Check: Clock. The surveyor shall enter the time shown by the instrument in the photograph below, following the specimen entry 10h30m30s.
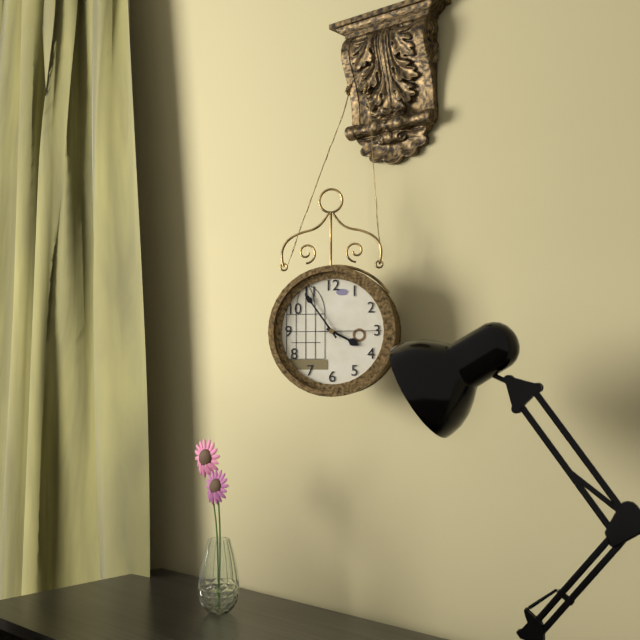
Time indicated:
3h54m15s
